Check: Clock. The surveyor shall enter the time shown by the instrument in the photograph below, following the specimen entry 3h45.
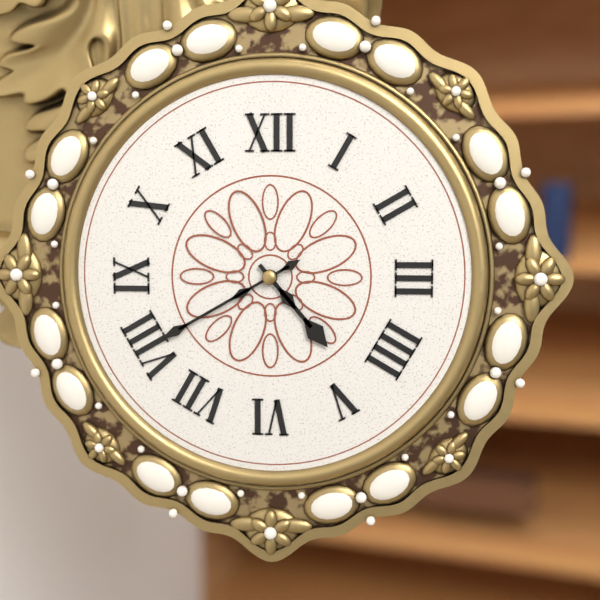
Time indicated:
4h40
